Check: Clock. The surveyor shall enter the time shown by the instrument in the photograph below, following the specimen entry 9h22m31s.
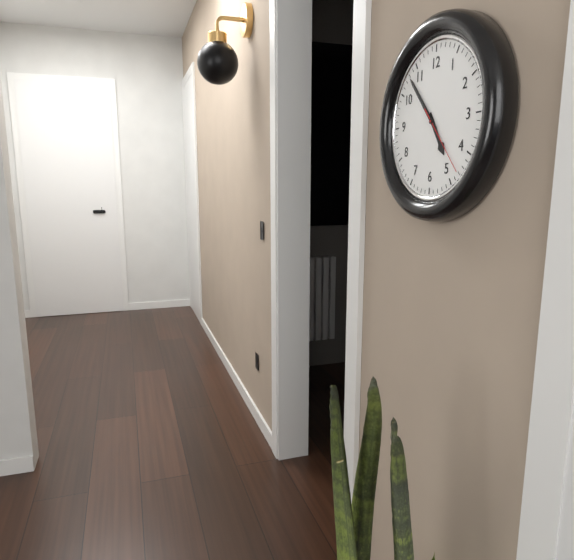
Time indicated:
4h53m23s
